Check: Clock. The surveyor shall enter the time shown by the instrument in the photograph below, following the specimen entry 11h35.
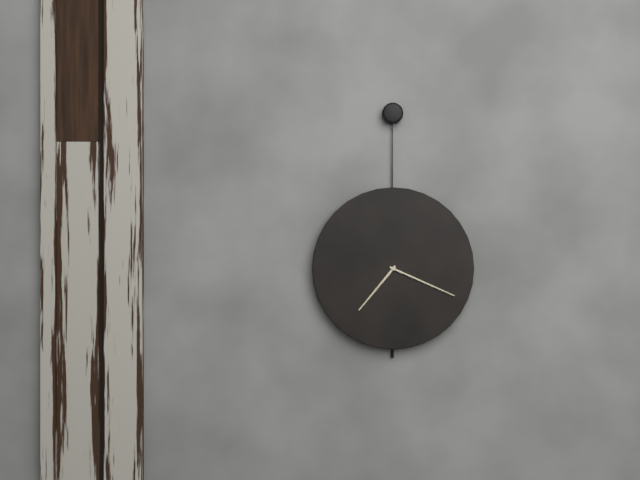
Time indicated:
7h19
